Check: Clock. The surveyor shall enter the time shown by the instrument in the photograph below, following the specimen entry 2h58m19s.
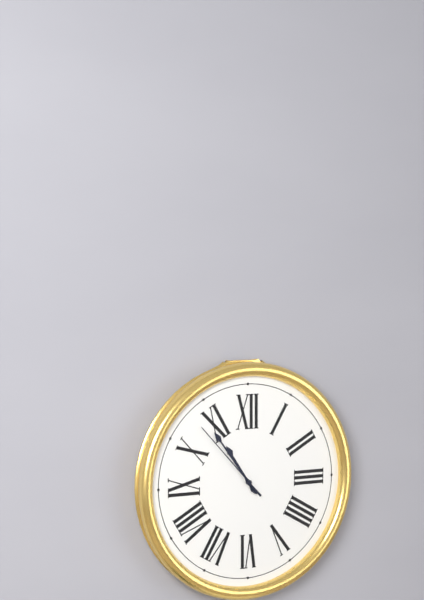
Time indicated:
10h54m53s
